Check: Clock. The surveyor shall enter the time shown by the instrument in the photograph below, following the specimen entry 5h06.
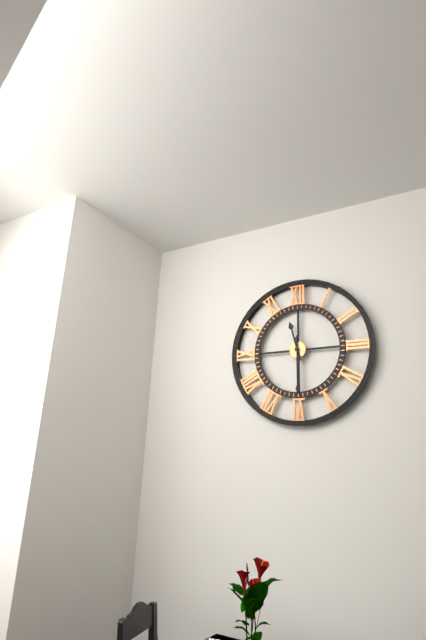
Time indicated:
11h30
